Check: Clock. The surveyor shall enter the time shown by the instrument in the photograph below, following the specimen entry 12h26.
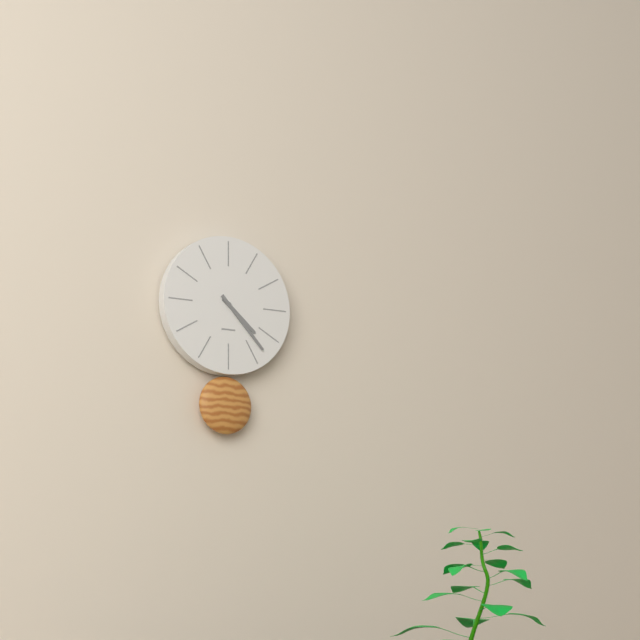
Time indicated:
4h23
